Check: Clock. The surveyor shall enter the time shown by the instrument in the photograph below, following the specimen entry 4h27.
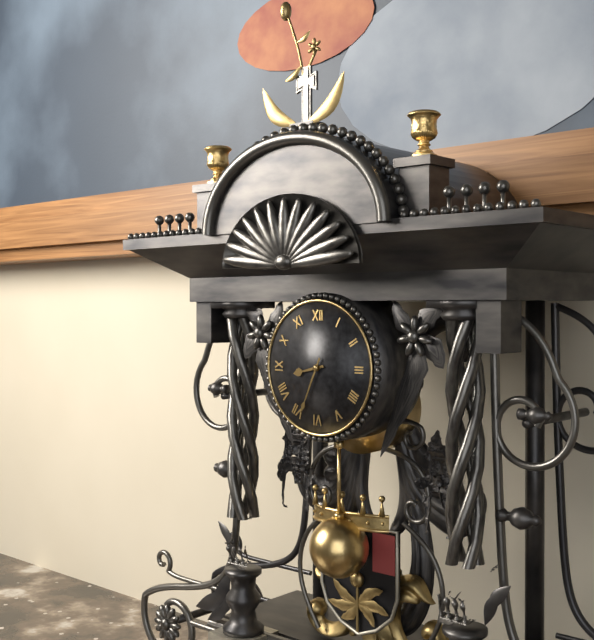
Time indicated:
8h34
